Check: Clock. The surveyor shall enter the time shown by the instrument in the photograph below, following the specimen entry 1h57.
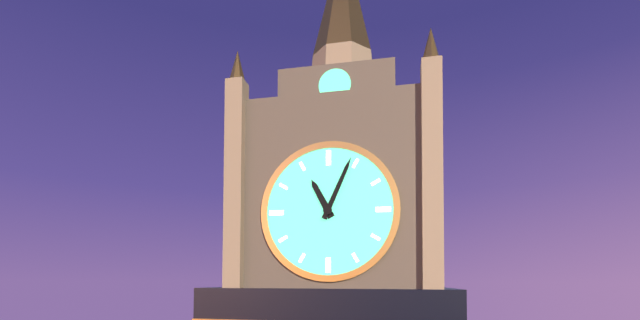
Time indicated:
11h04
